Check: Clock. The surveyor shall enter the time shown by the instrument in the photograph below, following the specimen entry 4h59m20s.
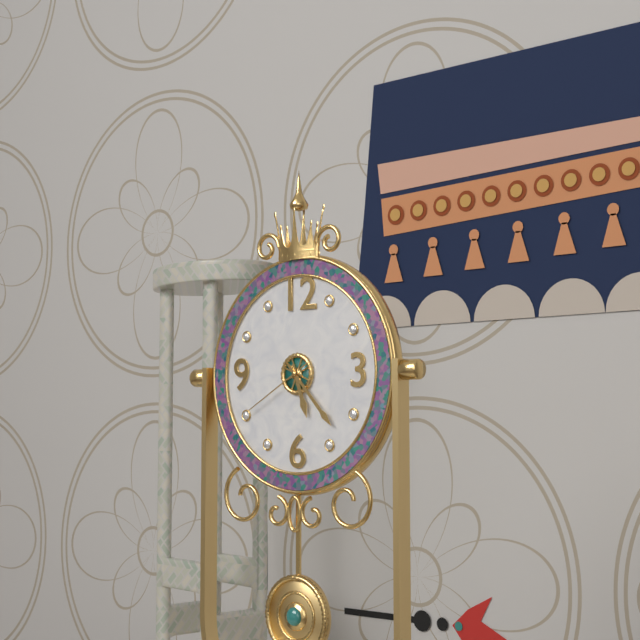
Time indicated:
5h23m40s
